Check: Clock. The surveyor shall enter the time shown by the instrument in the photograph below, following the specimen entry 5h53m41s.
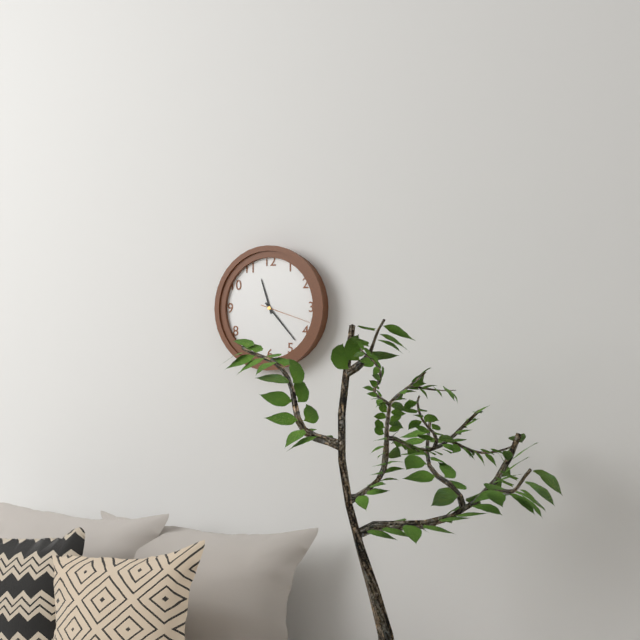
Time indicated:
11h23m18s
